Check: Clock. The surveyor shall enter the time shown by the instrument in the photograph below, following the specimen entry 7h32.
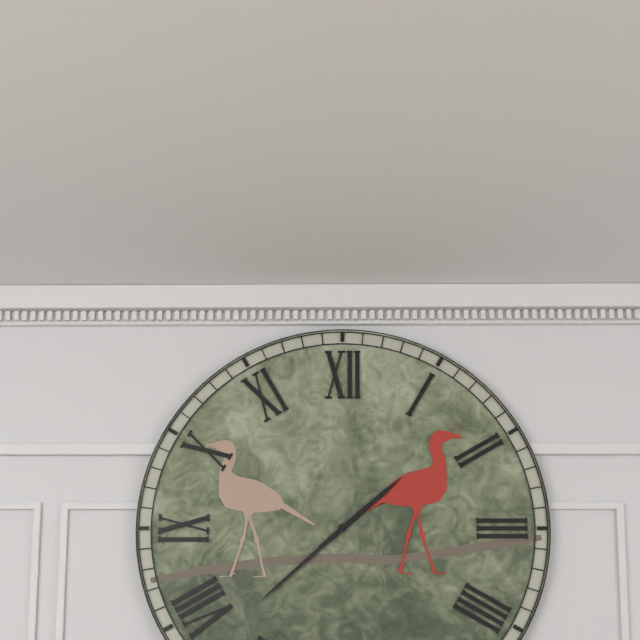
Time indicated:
1h38
